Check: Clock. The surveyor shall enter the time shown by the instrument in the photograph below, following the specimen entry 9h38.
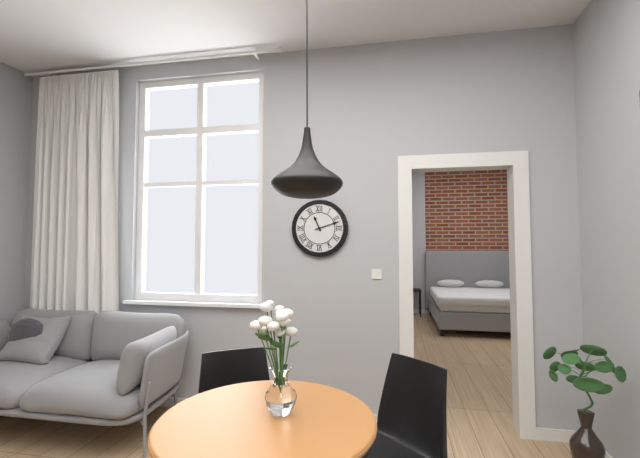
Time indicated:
11h12
